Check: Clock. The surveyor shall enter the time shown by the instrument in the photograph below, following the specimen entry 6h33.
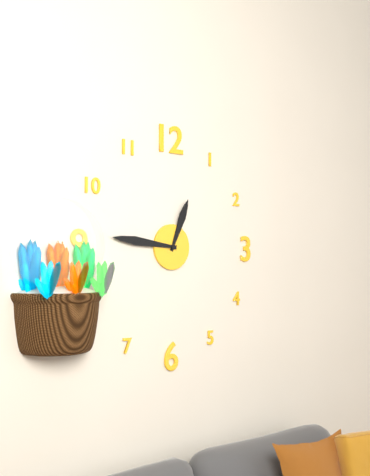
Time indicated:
12h46
